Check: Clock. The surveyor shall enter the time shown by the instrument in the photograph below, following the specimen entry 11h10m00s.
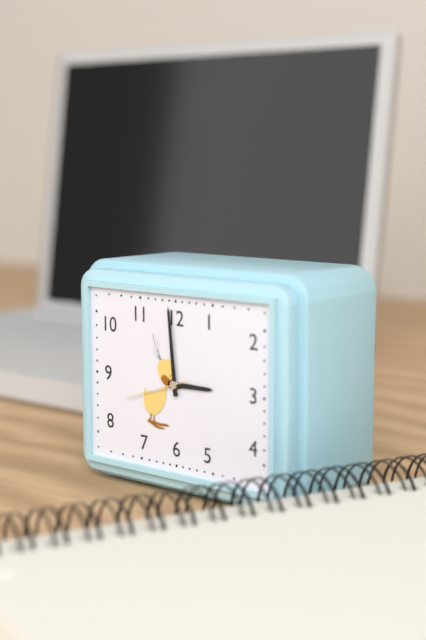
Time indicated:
2h59m42s
